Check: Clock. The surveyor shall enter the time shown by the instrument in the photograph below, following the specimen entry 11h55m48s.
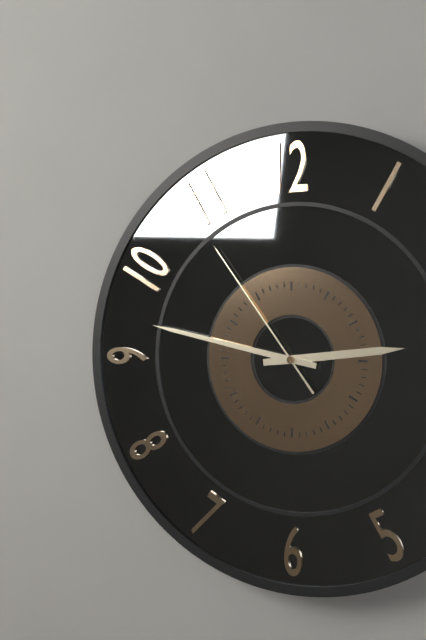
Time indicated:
2h47m54s
